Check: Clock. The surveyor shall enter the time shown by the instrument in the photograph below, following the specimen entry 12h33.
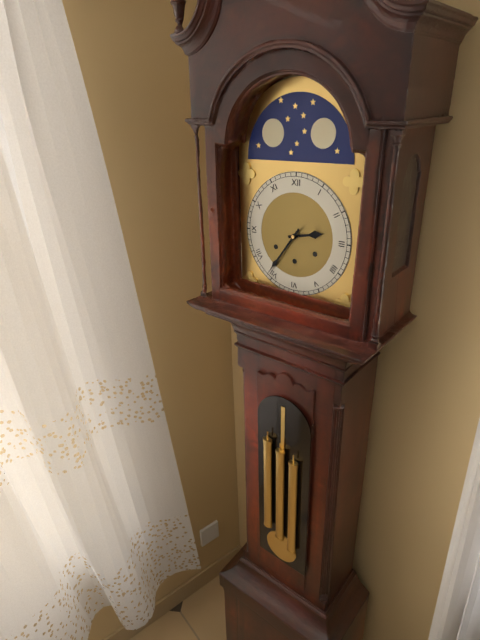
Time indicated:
2h36
